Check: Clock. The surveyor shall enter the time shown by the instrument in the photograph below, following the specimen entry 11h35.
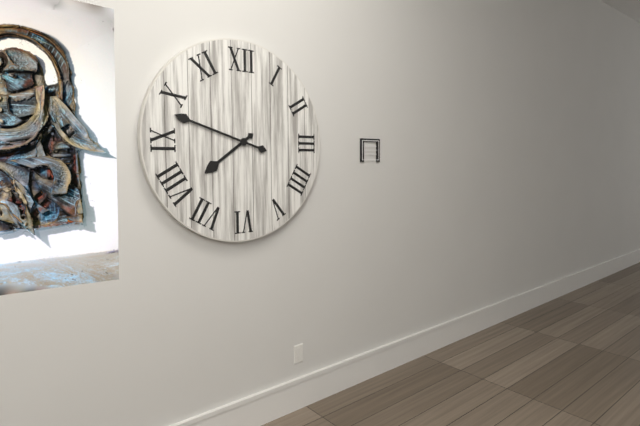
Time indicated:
7h48
